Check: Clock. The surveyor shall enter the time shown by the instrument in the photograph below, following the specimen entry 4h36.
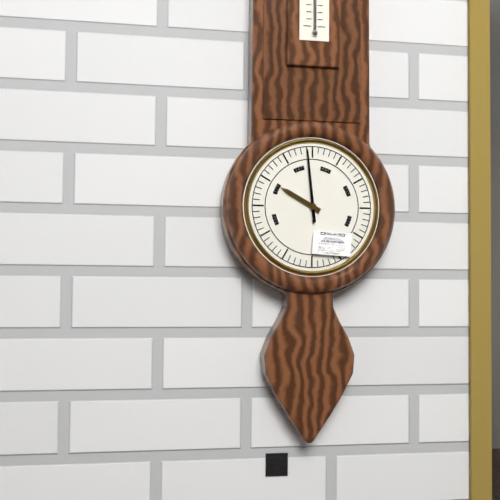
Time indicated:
9h59
